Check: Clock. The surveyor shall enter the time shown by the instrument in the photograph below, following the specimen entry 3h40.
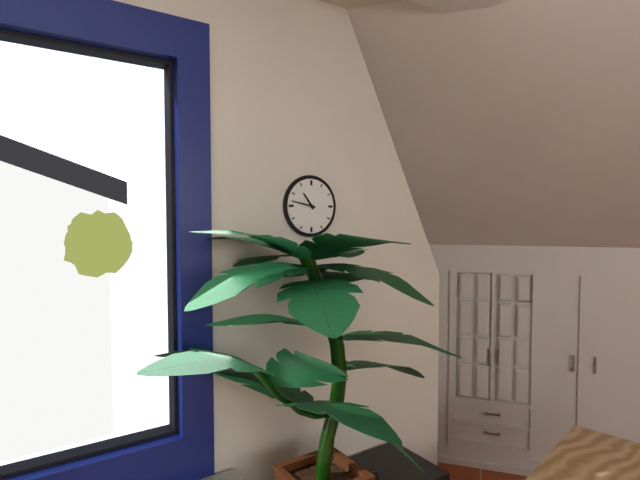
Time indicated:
10h47
